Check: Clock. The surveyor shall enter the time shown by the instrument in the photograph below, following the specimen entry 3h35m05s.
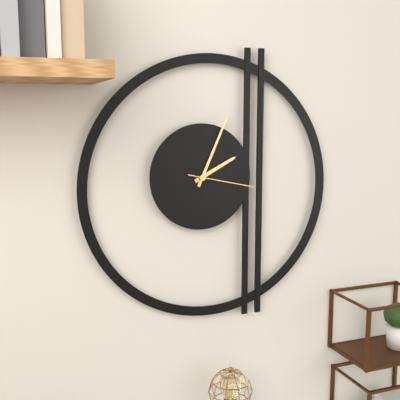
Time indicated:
2h04m17s
